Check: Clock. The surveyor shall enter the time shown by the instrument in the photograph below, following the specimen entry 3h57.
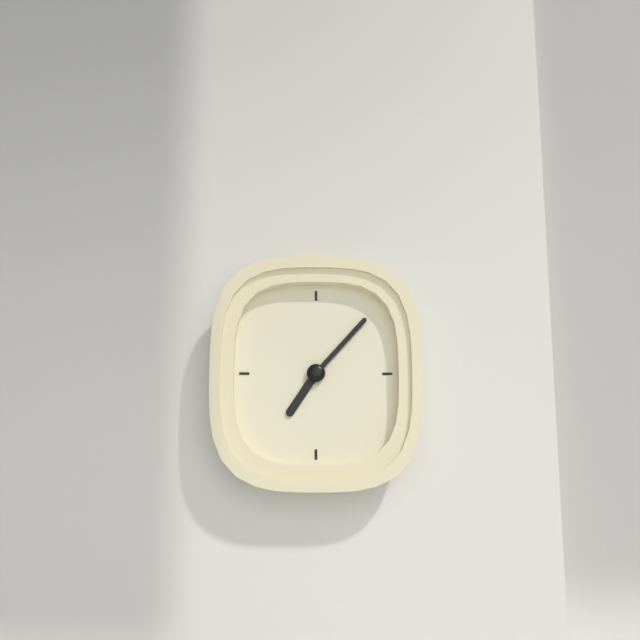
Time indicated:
7h07
